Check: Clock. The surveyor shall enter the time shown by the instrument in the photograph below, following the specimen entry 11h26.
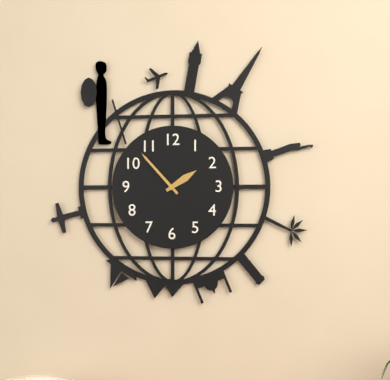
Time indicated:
1h53
